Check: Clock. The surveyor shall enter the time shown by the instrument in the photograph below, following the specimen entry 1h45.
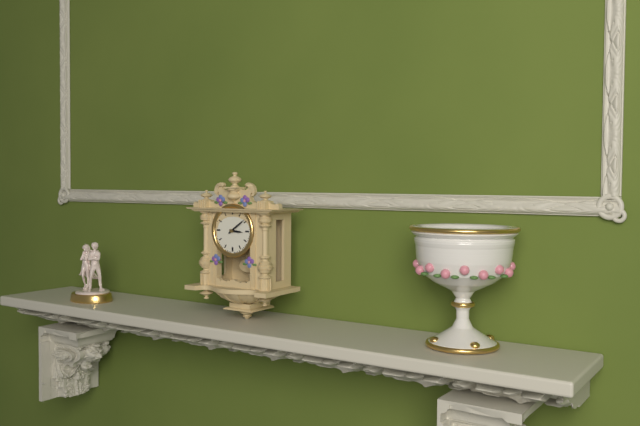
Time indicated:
3h09
